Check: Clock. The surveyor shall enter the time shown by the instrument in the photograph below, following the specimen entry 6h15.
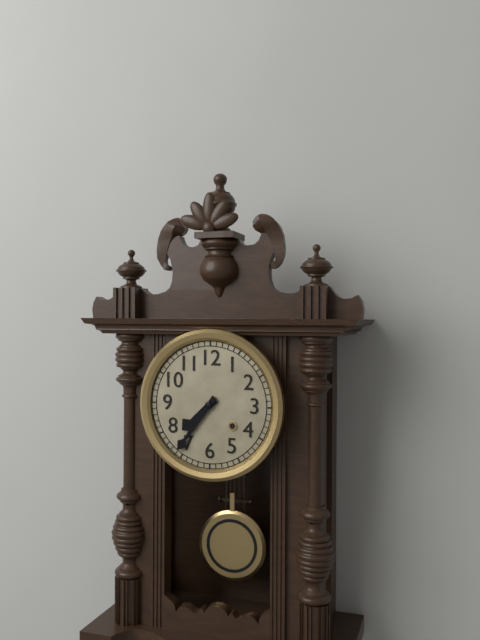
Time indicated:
7h36
